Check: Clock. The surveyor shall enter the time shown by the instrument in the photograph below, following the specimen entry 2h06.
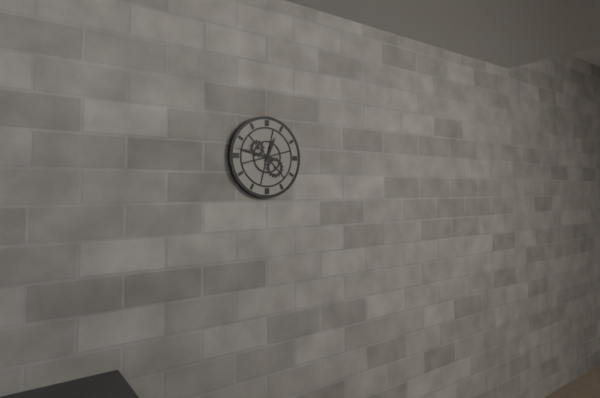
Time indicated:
12h47
